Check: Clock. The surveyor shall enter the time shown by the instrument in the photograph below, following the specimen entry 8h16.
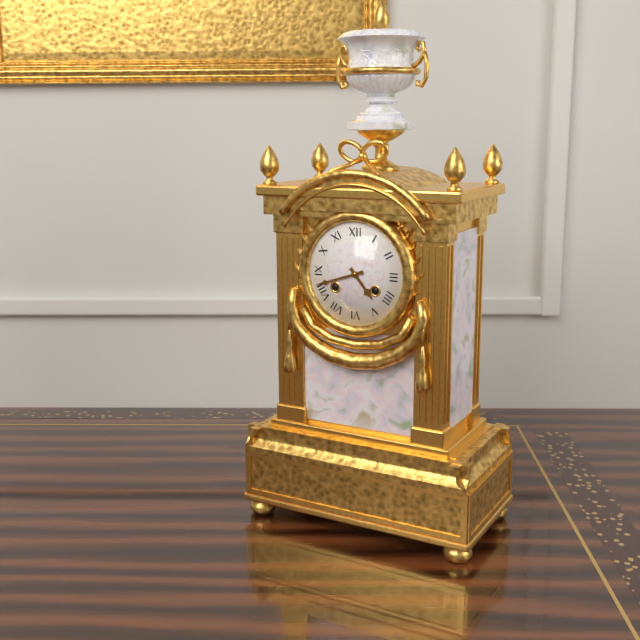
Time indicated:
4h42
